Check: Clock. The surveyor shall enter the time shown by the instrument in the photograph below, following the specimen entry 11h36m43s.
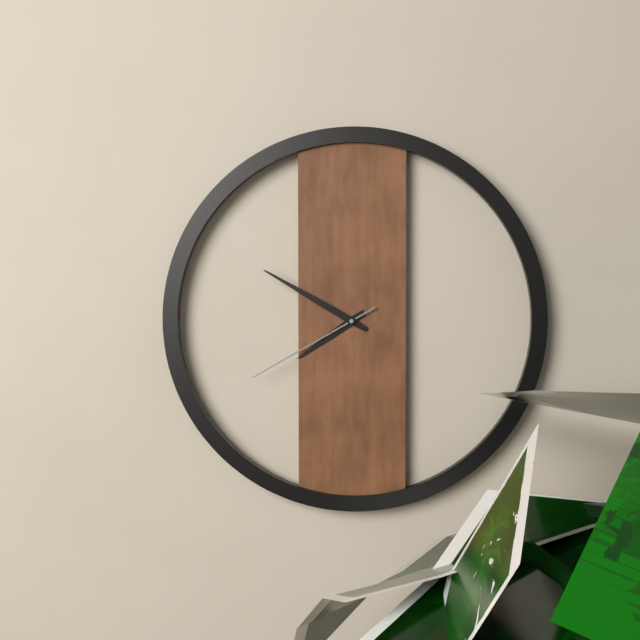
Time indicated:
7h50m40s
